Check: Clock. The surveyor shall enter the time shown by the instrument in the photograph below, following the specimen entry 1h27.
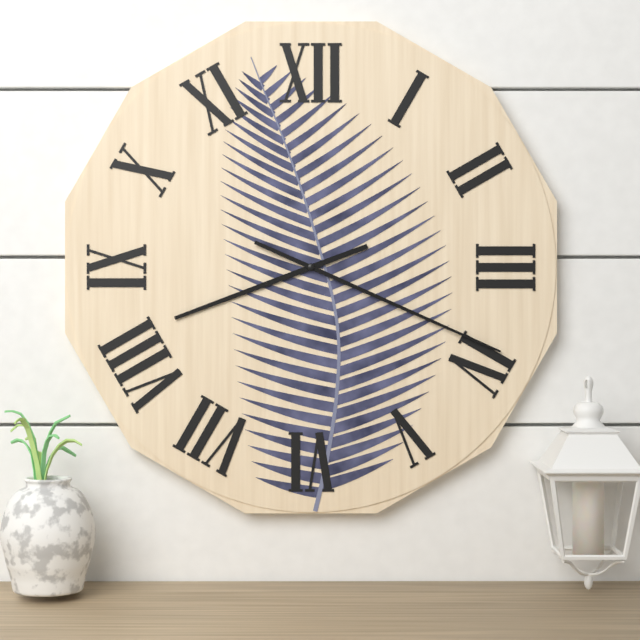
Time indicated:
8h19
